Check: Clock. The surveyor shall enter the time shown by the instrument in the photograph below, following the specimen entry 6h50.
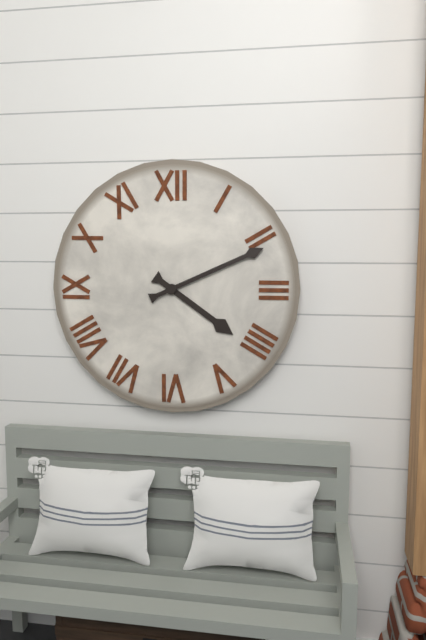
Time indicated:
4h11
